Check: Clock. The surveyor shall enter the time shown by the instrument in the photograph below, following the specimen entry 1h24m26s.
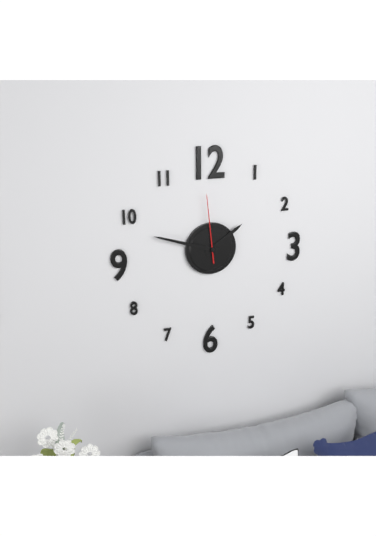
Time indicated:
1h48m59s
